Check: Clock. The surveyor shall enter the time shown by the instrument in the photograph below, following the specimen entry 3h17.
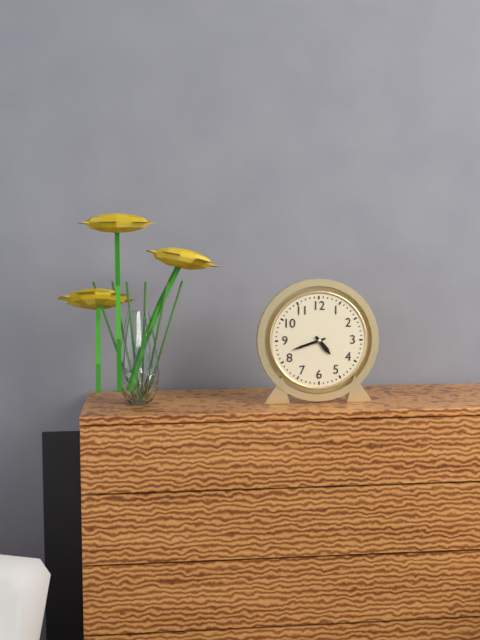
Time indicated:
4h42
